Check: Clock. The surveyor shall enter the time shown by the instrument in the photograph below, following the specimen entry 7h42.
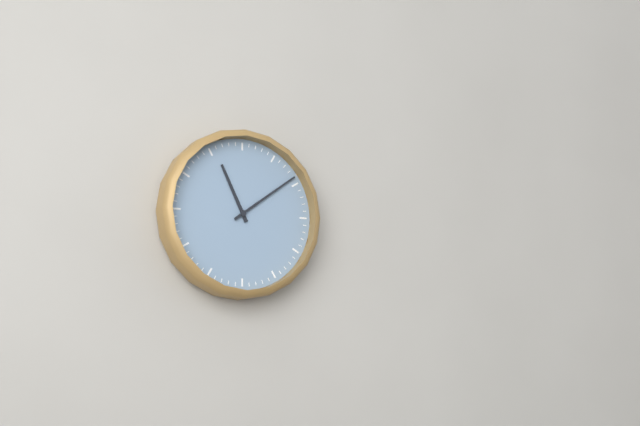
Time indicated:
11h09
